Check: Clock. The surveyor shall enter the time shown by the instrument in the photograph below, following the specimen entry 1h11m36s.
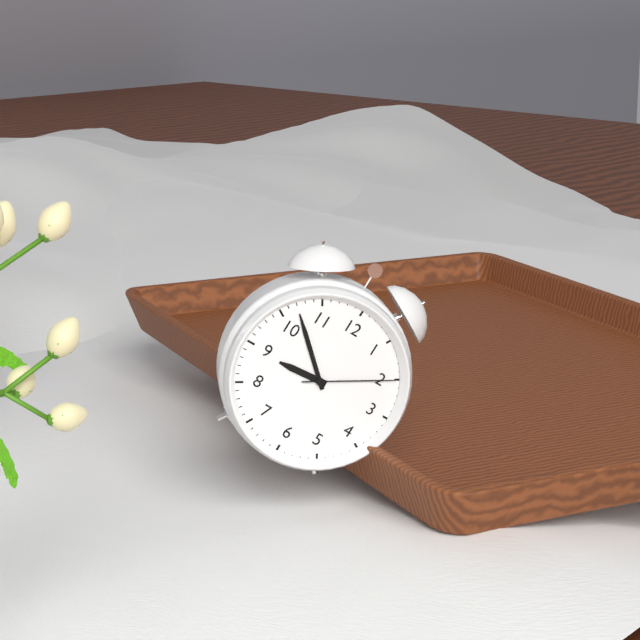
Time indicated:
8h52m10s
